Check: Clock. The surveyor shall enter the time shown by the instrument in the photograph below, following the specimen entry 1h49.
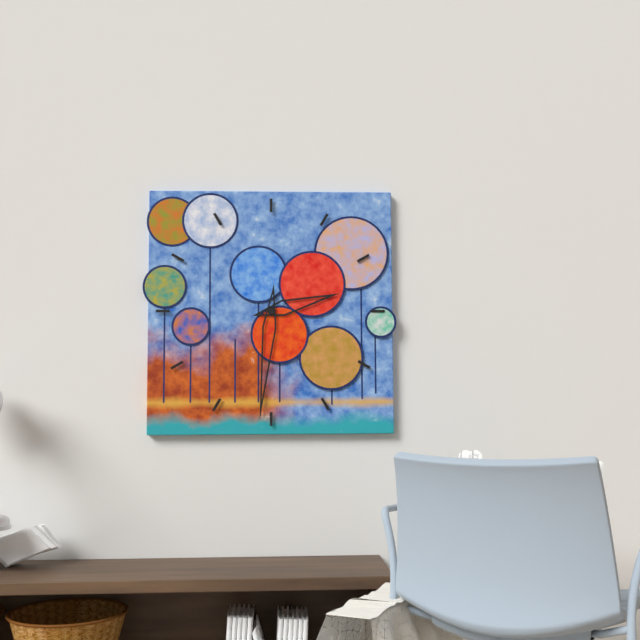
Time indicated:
2h31
